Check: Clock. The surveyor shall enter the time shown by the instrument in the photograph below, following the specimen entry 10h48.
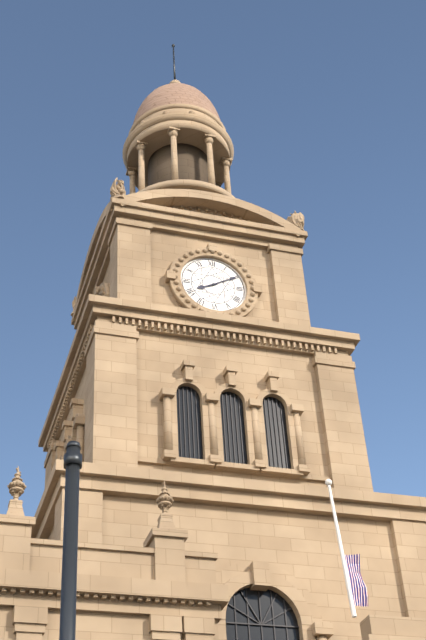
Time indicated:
8h10
